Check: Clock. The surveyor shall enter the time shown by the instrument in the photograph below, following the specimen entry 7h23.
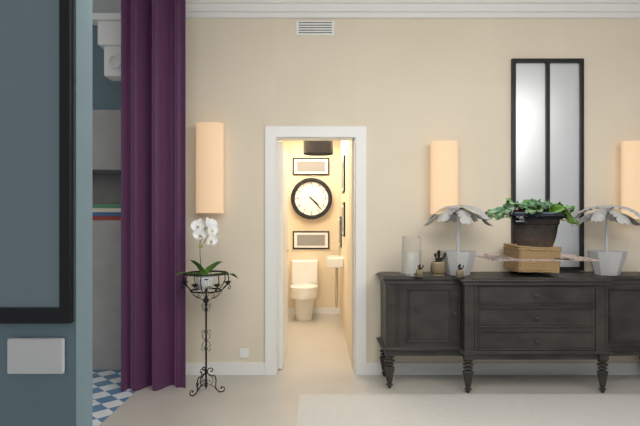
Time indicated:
4h23
